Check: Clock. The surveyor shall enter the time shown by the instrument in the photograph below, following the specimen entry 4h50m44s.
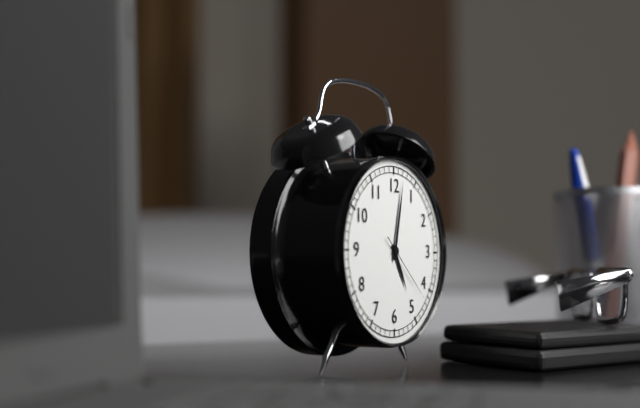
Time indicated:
5h02m22s
